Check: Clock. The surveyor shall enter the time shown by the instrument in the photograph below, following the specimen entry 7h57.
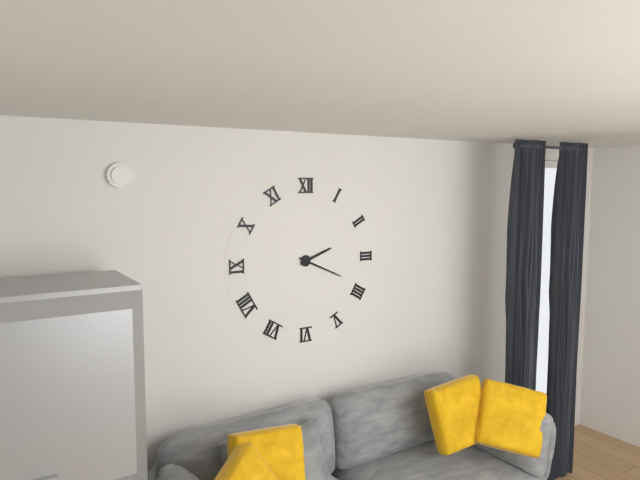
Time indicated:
2h19
